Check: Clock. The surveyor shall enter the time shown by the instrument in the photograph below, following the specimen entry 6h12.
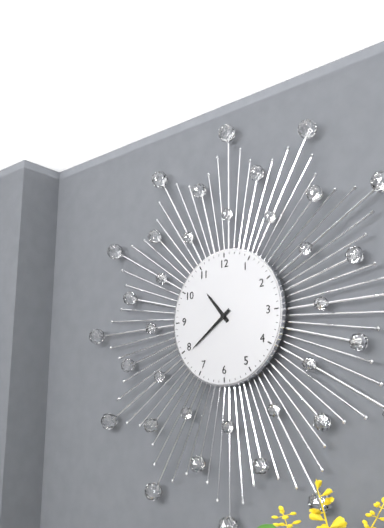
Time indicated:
10h39
